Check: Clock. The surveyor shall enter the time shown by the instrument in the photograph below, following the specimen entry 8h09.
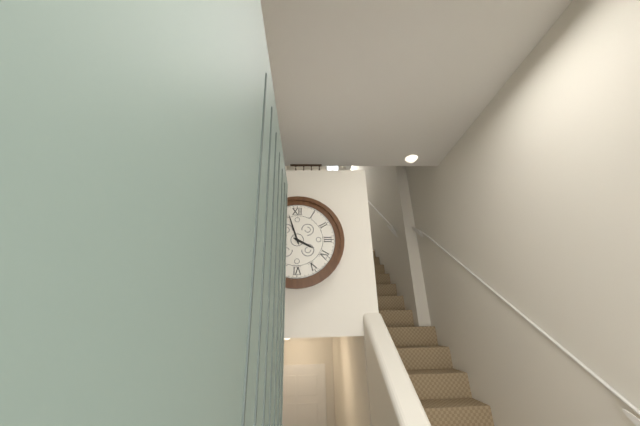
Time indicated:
3h57
